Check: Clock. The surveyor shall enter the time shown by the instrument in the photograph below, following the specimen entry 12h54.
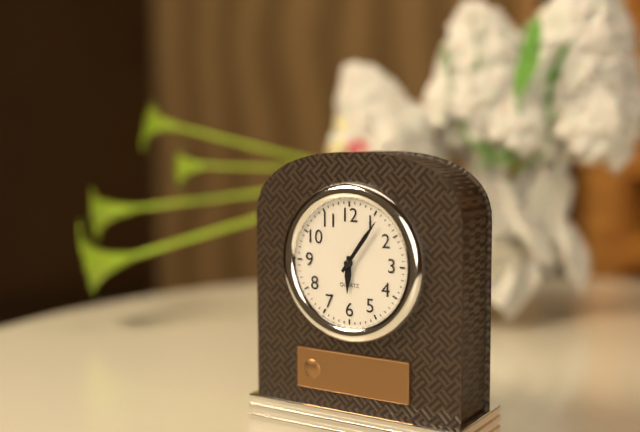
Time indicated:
6h06
